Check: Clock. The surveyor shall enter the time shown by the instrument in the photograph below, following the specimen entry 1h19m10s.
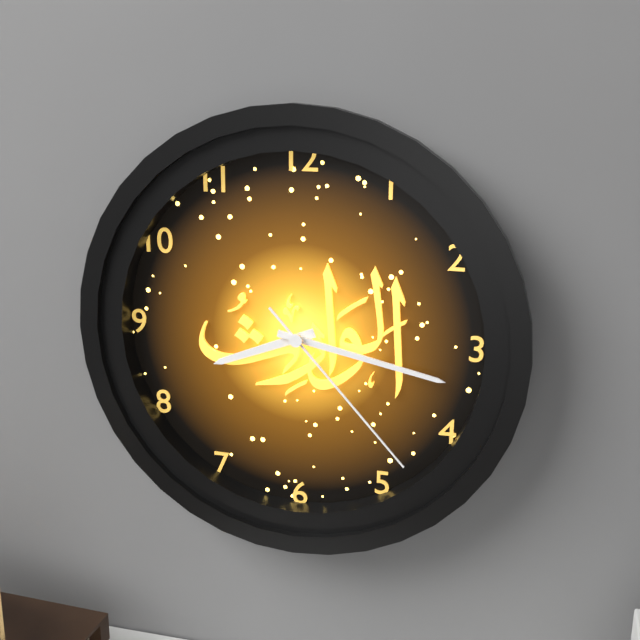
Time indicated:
8h17m23s
